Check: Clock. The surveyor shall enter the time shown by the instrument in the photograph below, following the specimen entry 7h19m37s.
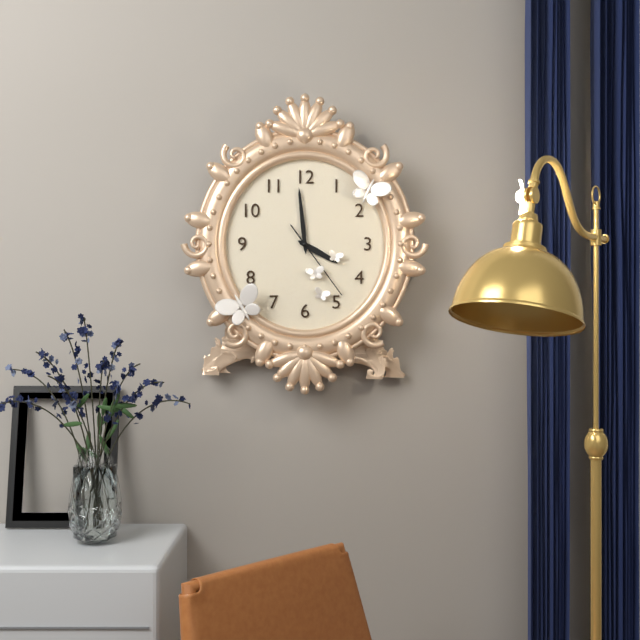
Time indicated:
3h59m24s
